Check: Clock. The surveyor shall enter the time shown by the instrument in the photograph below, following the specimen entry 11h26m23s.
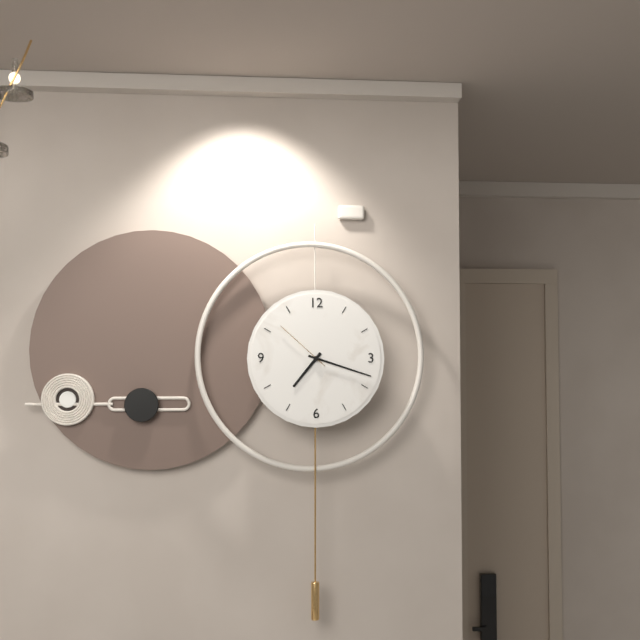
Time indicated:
7h18m52s
